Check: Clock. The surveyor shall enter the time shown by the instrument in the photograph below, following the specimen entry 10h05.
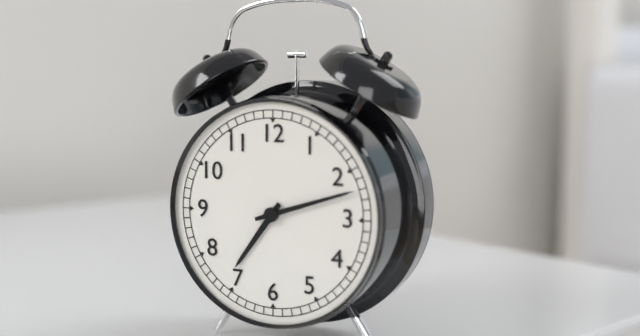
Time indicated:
7h12
